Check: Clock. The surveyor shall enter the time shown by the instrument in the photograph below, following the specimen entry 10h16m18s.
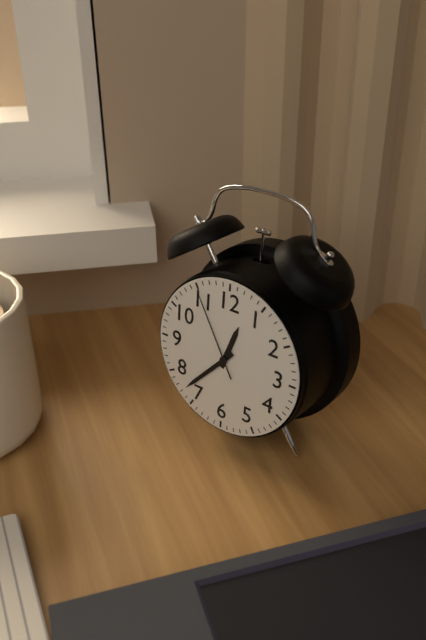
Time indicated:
12h37m55s
